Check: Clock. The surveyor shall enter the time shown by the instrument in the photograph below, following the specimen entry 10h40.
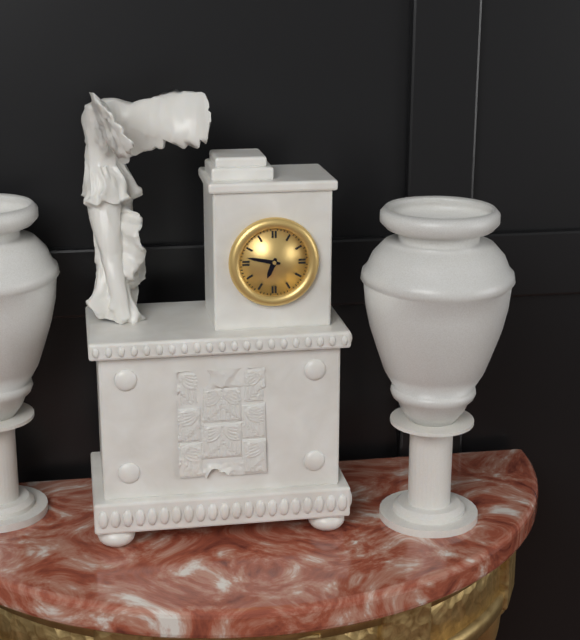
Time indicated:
6h47
